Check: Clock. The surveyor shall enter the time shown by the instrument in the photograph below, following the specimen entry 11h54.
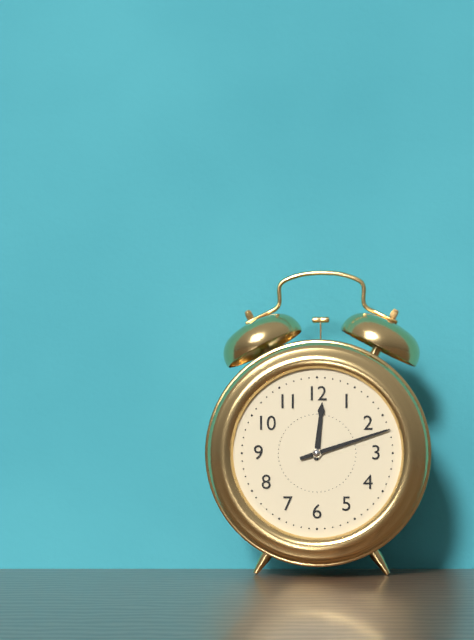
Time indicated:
12h12
